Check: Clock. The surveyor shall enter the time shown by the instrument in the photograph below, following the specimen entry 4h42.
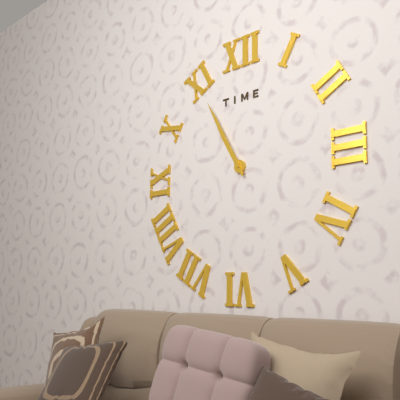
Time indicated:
10h55
